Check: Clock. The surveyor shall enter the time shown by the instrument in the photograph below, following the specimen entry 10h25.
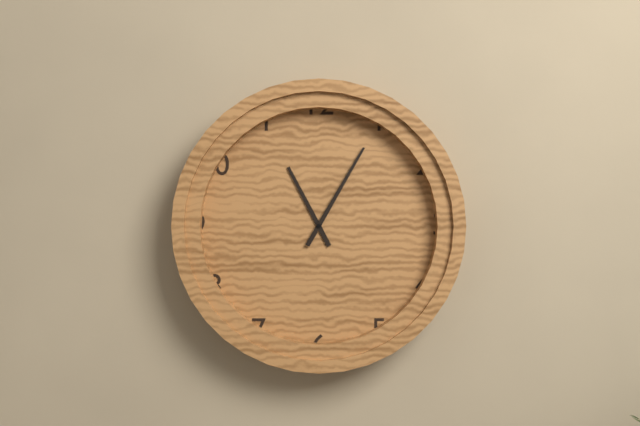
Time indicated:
11h05
